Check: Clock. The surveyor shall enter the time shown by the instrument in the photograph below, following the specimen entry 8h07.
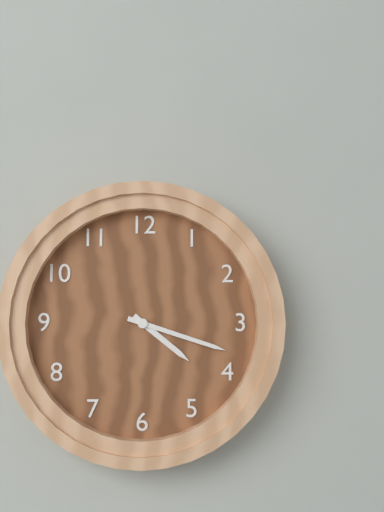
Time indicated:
4h18
